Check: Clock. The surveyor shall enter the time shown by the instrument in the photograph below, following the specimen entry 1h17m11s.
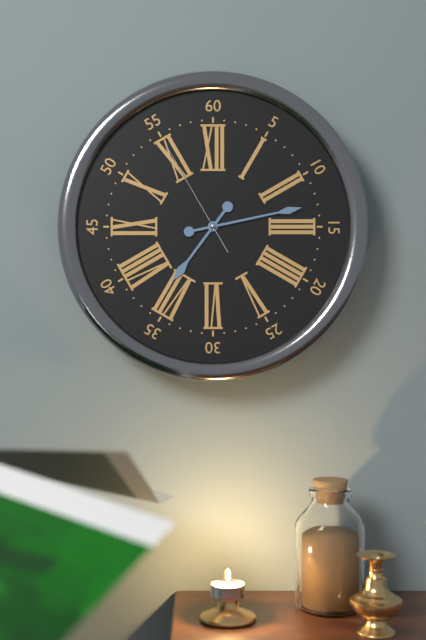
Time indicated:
7h13m55s
